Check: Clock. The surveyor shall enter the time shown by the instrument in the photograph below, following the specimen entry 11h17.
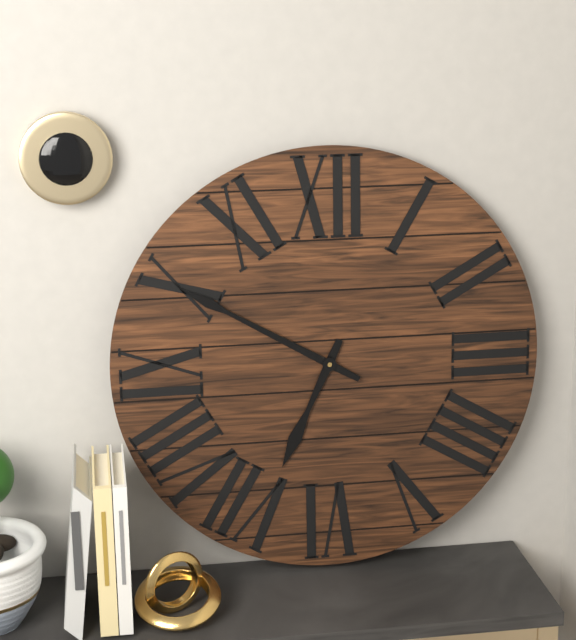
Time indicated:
6h50
